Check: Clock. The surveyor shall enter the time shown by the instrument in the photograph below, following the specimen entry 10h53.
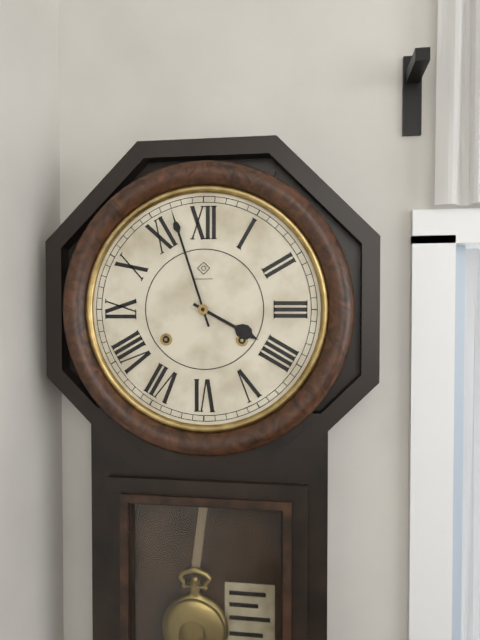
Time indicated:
3h57
